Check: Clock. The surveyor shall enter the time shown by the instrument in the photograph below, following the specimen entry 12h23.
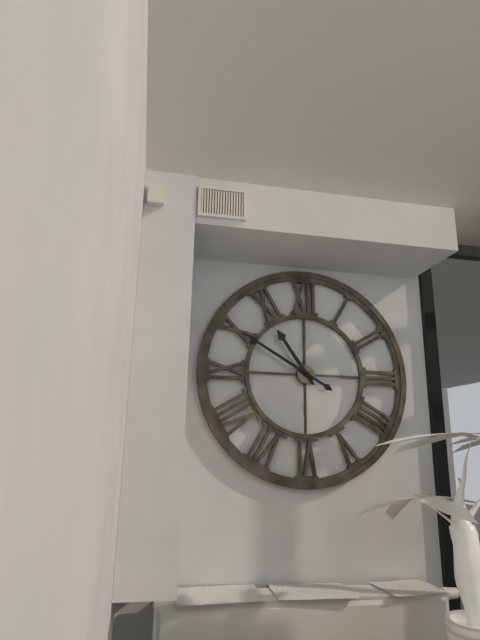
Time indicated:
10h50
